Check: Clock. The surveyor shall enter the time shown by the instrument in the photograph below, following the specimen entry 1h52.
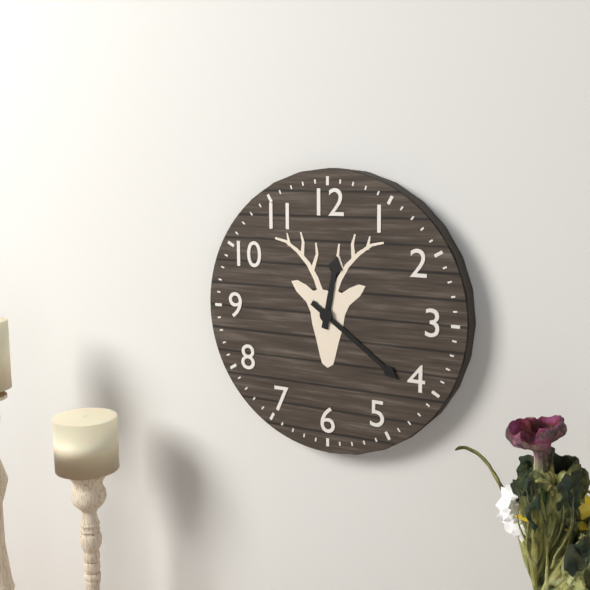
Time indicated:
12h21
